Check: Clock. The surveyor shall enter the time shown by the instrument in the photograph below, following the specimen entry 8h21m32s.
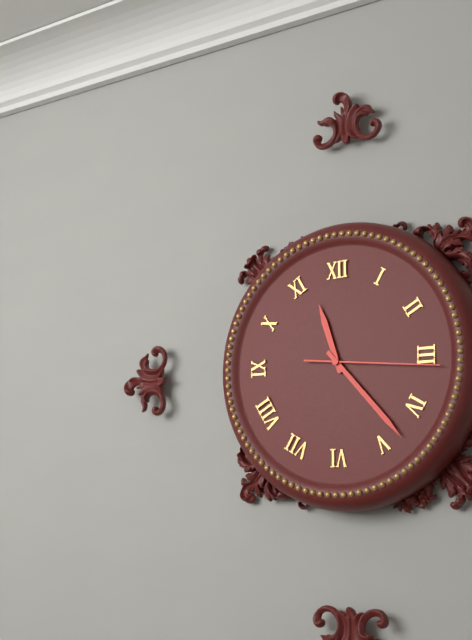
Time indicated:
11h23m16s
